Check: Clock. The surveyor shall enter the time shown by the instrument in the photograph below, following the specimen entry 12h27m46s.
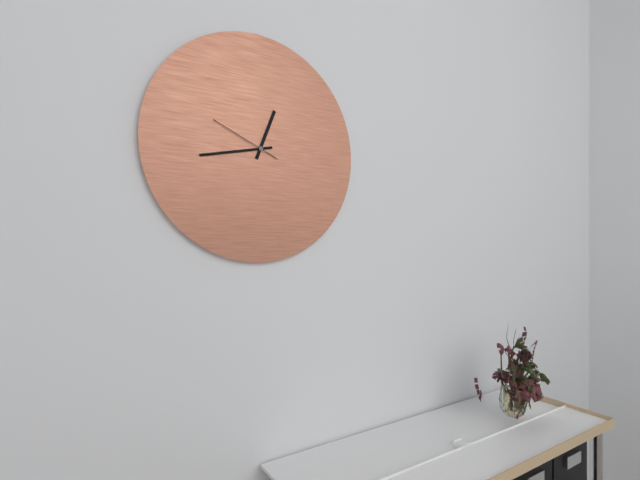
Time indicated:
12h43m49s
